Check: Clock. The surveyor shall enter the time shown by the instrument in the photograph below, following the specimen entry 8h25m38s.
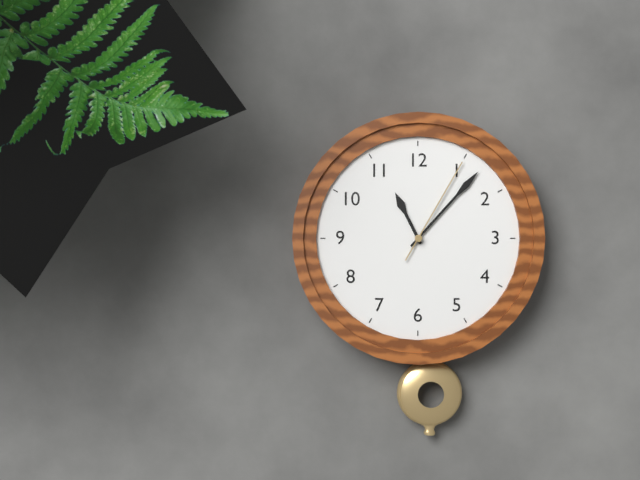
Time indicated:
11h07m05s
